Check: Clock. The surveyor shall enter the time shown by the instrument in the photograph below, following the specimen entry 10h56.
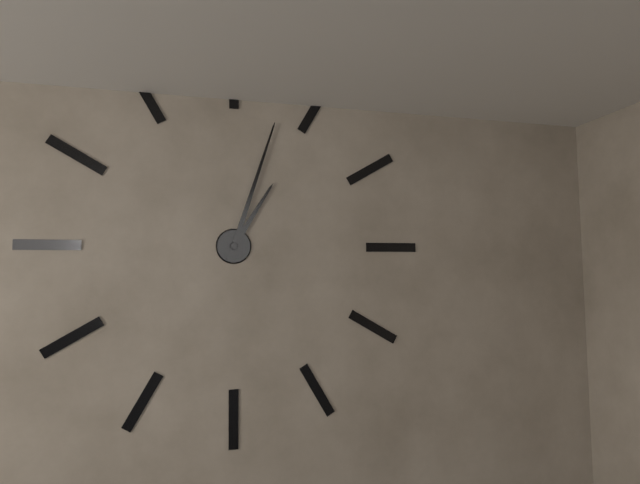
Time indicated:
1h03
